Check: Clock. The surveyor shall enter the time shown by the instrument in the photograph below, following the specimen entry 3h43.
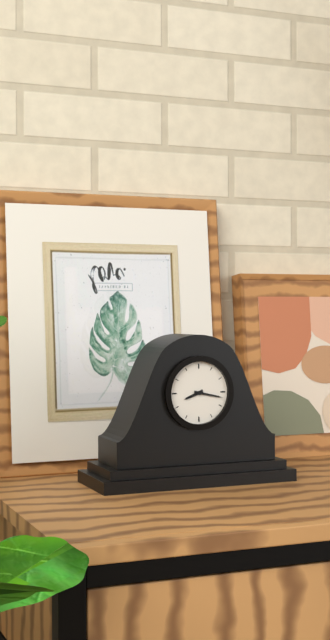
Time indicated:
8h17
